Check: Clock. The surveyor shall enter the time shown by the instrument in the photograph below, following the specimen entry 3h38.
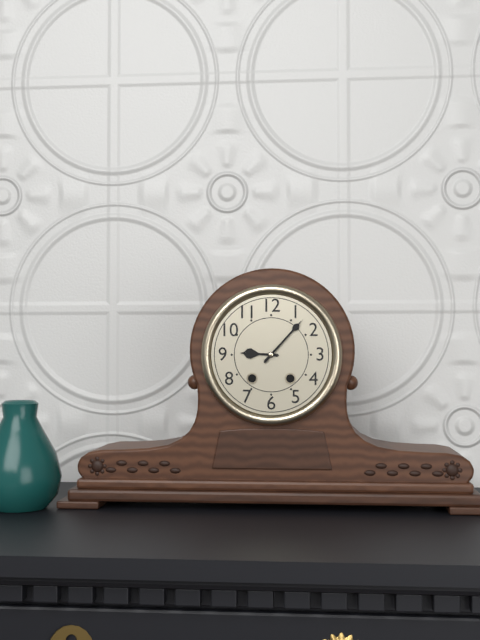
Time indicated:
9h07
